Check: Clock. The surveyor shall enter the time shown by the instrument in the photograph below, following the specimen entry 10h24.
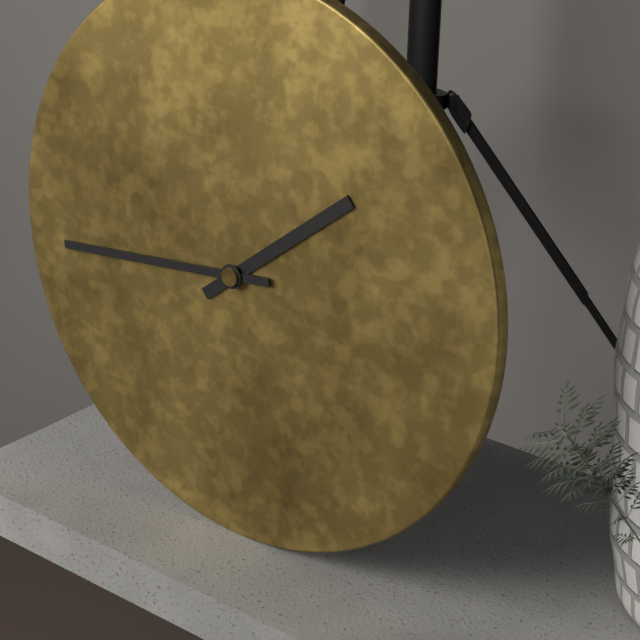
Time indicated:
1h44
